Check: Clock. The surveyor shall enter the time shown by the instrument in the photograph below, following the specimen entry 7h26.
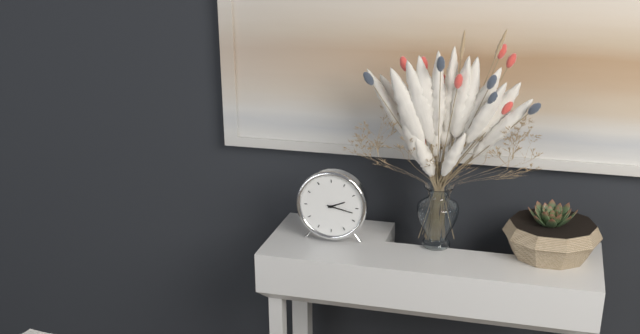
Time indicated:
2h17
